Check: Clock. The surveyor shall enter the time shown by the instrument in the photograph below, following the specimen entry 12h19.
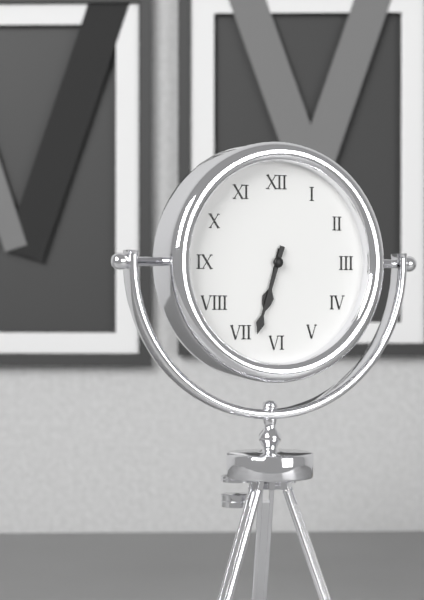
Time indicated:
6h33
